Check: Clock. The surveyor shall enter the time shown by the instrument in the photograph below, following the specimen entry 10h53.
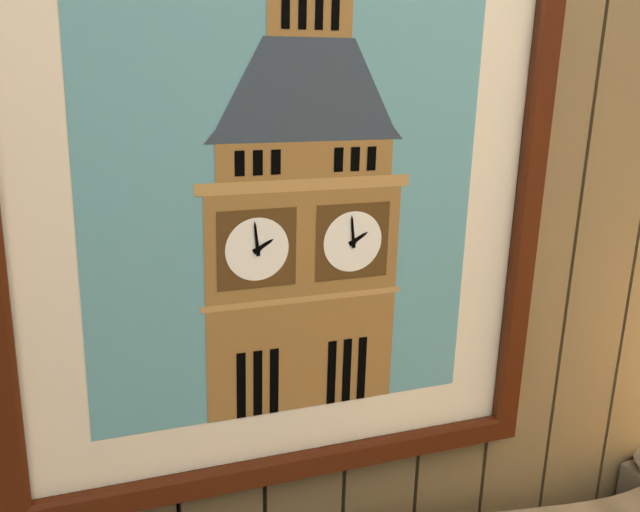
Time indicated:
1h59
